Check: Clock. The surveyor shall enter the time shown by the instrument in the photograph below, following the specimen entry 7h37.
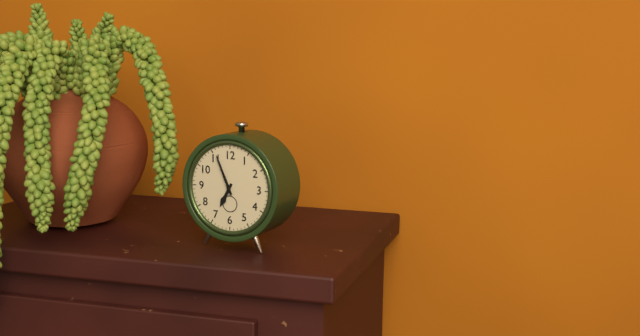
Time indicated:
6h56
